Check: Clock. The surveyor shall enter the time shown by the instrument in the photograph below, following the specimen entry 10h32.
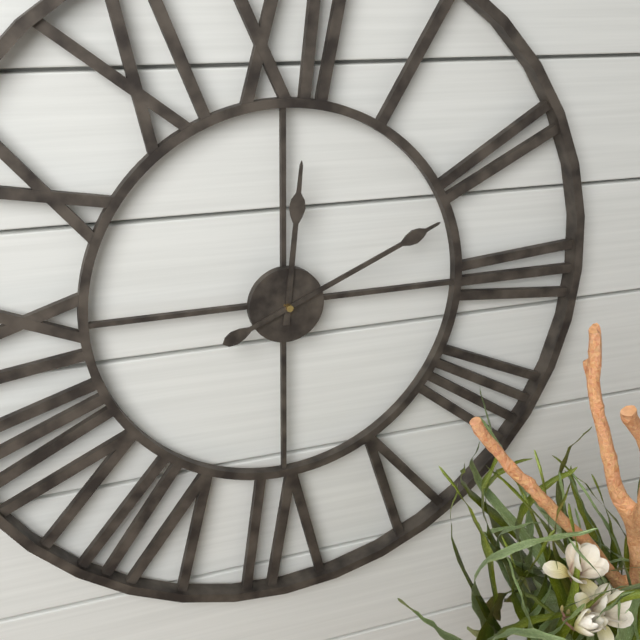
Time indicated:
12h11
